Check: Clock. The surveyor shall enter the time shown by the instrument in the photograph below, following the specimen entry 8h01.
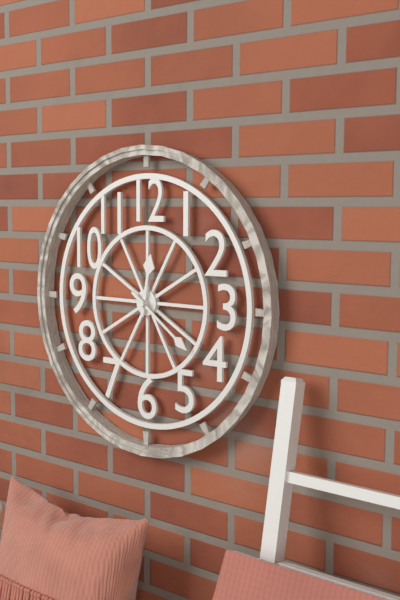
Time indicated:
12h21
